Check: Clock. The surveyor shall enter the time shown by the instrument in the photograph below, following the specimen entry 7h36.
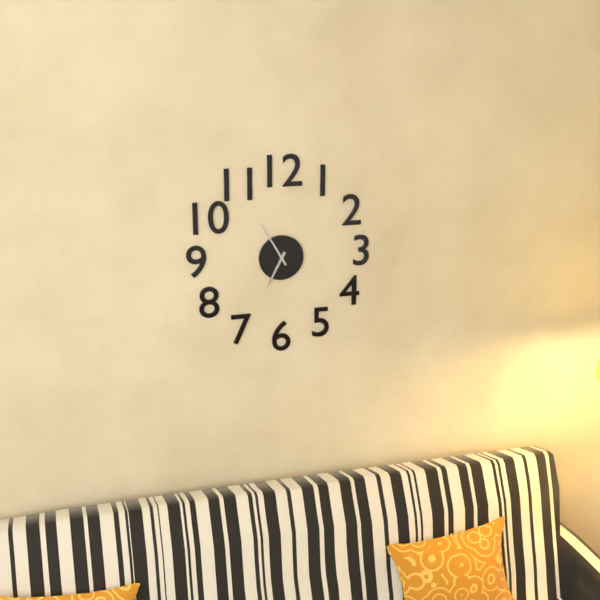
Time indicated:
6h55
